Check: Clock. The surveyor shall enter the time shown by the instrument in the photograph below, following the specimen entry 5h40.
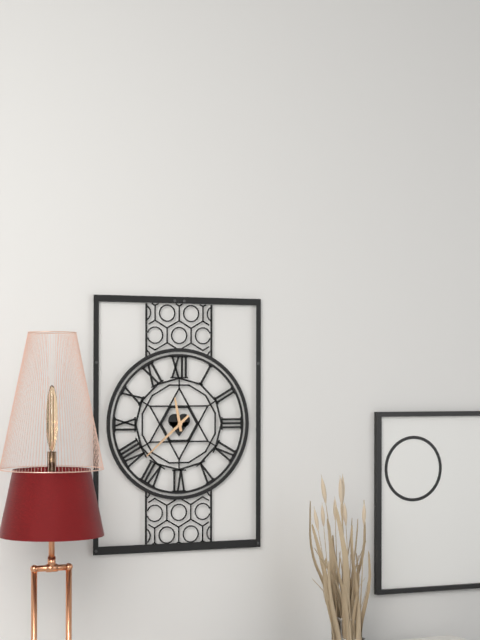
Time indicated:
11h38
